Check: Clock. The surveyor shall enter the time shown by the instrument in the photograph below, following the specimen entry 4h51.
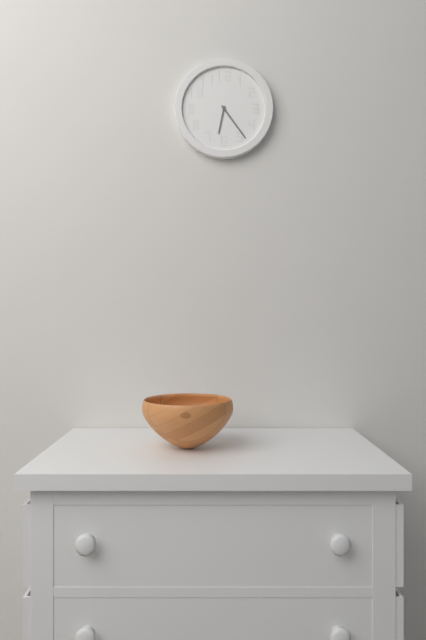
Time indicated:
6h24
